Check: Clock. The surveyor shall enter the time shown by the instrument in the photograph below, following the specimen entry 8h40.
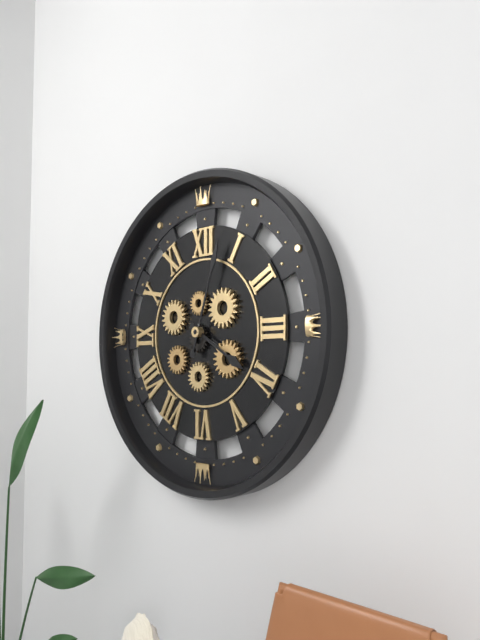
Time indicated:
4h03
